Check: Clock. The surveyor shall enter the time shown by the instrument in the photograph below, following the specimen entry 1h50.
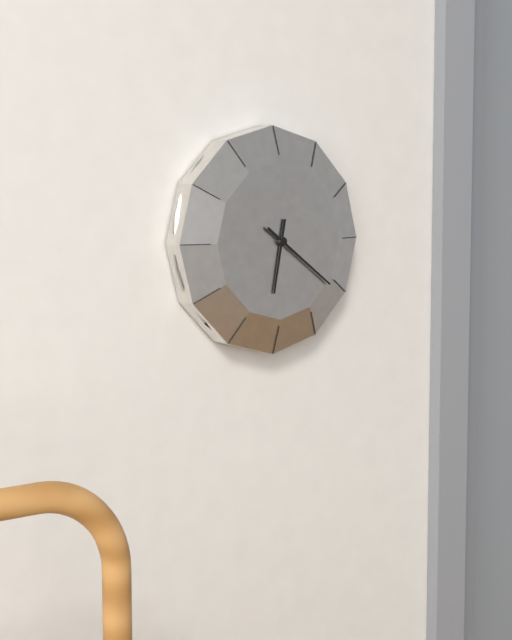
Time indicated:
6h21
